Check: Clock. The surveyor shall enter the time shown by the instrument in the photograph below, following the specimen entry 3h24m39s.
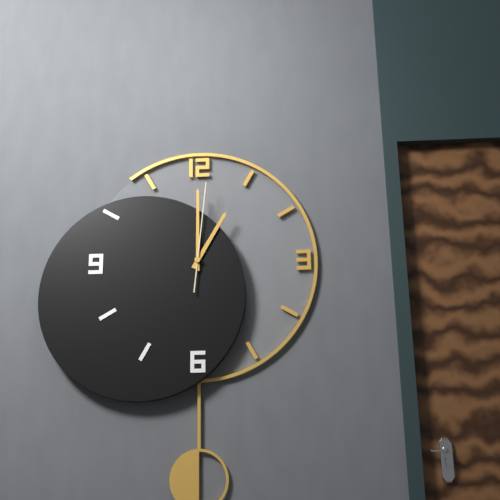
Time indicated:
1h00m01s
